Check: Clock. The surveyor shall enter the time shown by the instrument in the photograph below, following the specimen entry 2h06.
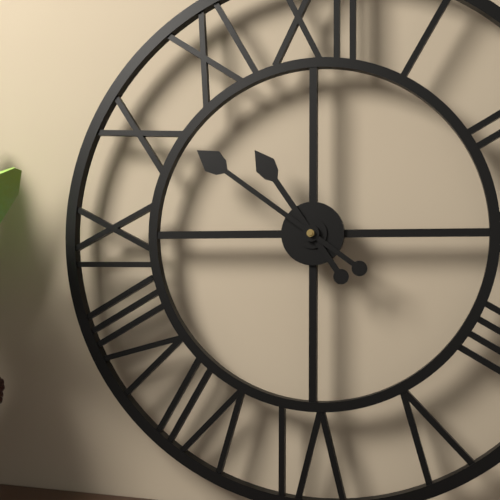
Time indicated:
10h51
